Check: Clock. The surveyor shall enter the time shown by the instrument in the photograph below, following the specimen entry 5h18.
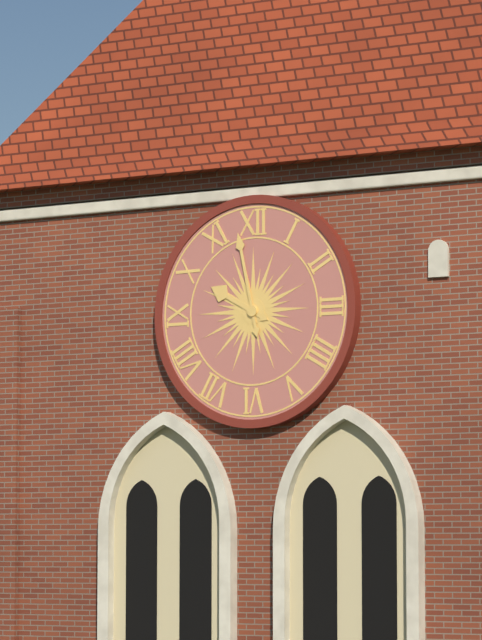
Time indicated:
9h58
